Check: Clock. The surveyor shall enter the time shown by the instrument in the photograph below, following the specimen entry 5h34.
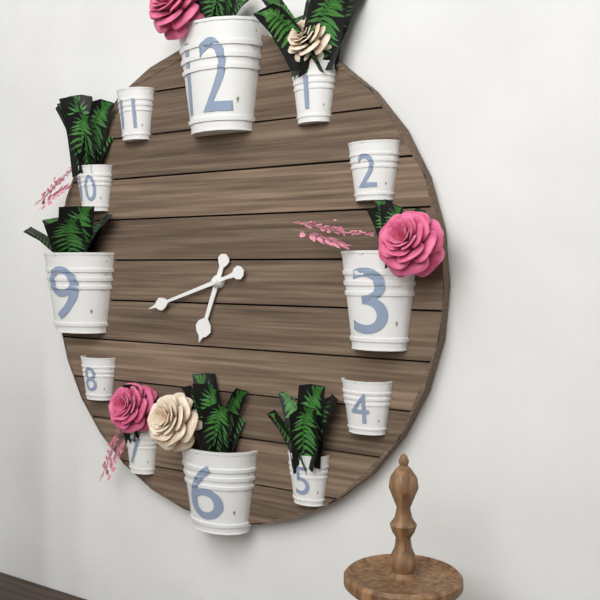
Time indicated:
6h42
